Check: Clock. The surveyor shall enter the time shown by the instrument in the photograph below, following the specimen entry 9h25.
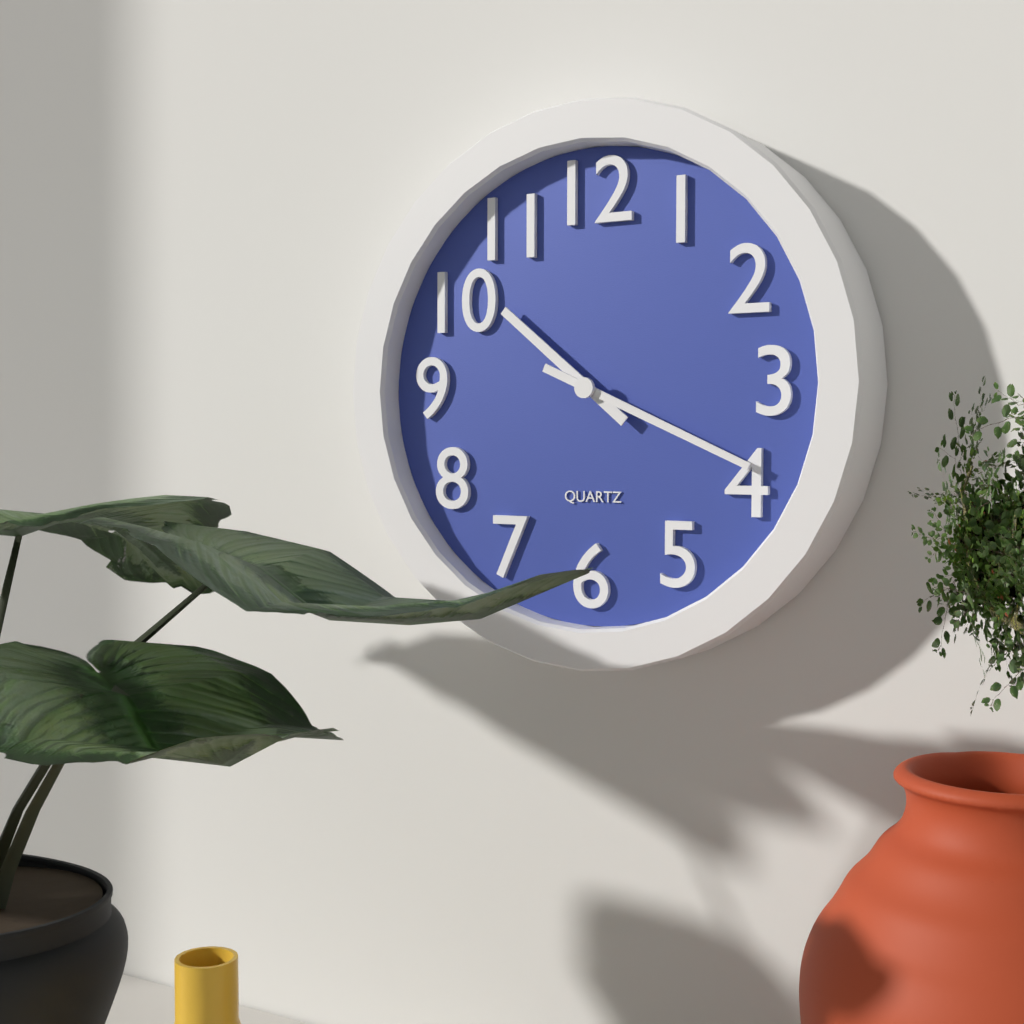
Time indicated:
10h19
